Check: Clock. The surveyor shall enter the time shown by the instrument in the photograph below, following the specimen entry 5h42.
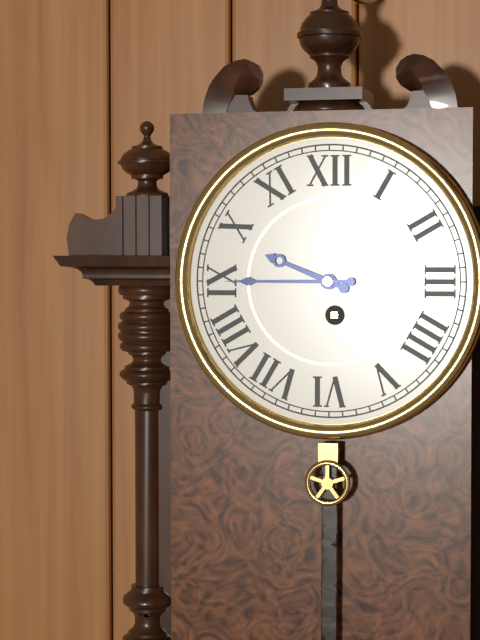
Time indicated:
9h45
